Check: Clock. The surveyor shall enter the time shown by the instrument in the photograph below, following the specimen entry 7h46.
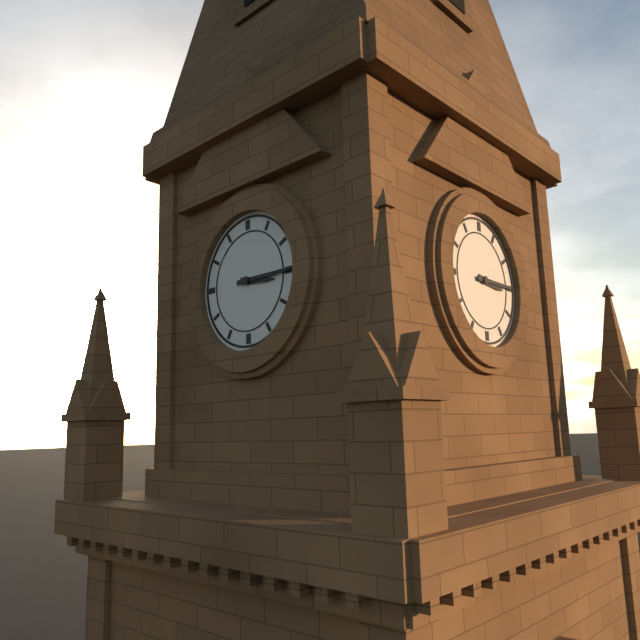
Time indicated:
3h15
